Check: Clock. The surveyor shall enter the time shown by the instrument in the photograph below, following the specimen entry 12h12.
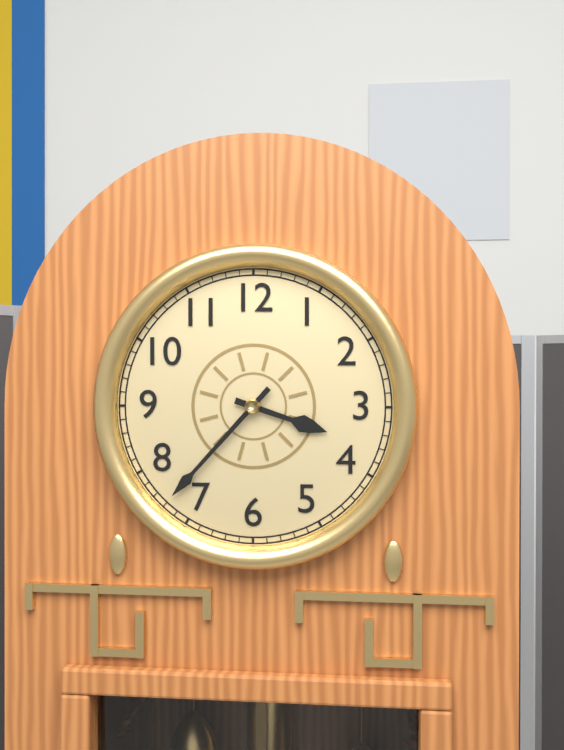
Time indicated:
3h37
